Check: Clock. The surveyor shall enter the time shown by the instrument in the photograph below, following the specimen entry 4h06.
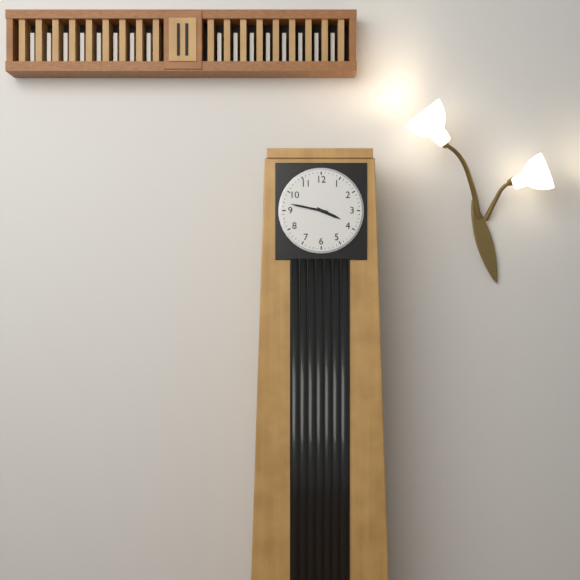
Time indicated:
3h47
